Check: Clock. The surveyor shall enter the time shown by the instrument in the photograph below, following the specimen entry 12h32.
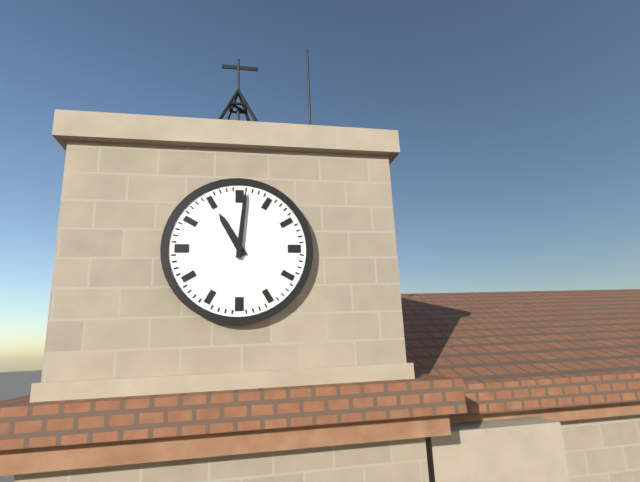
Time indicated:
11h01
